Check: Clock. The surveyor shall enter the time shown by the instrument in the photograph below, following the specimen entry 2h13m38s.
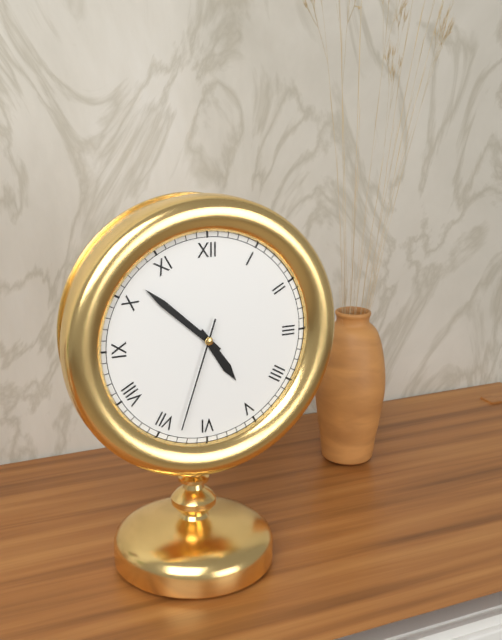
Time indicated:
4h52m33s
